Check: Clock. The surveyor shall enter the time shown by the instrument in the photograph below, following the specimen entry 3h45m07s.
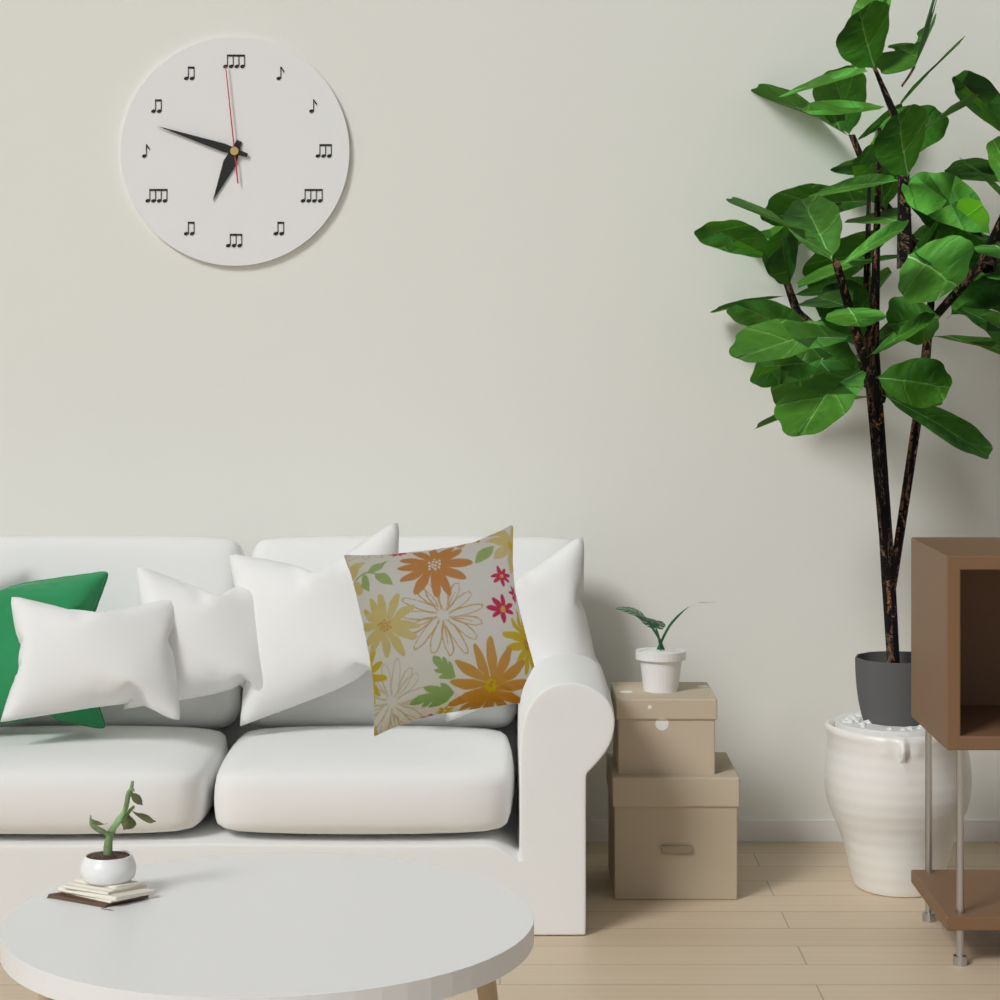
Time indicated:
6h48m59s
